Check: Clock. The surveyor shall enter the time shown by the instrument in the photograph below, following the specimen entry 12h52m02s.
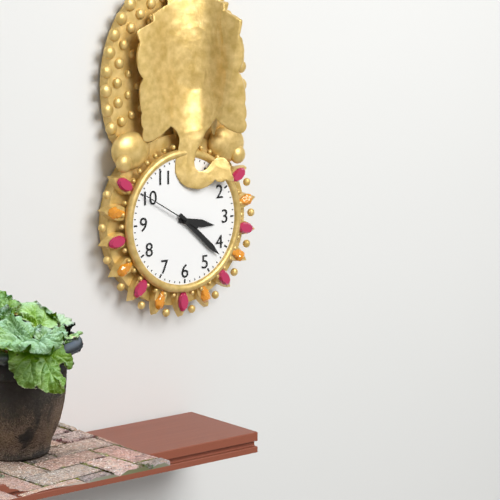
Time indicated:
3h22m50s
